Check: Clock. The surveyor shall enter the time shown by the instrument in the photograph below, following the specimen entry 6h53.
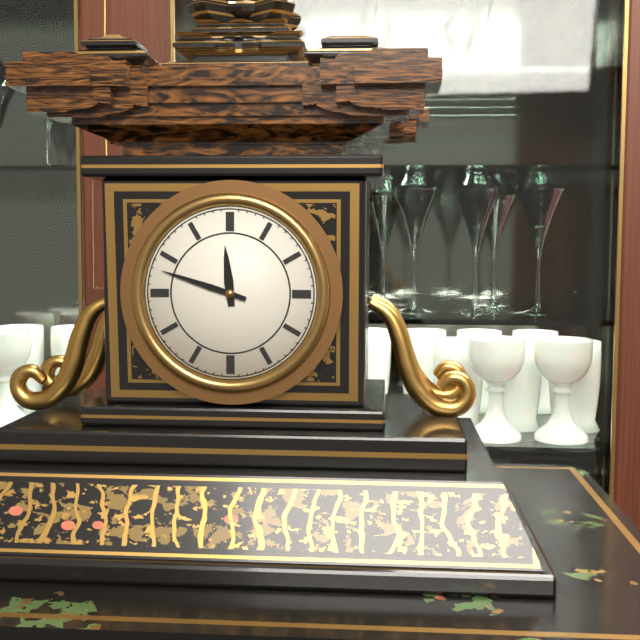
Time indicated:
11h48
